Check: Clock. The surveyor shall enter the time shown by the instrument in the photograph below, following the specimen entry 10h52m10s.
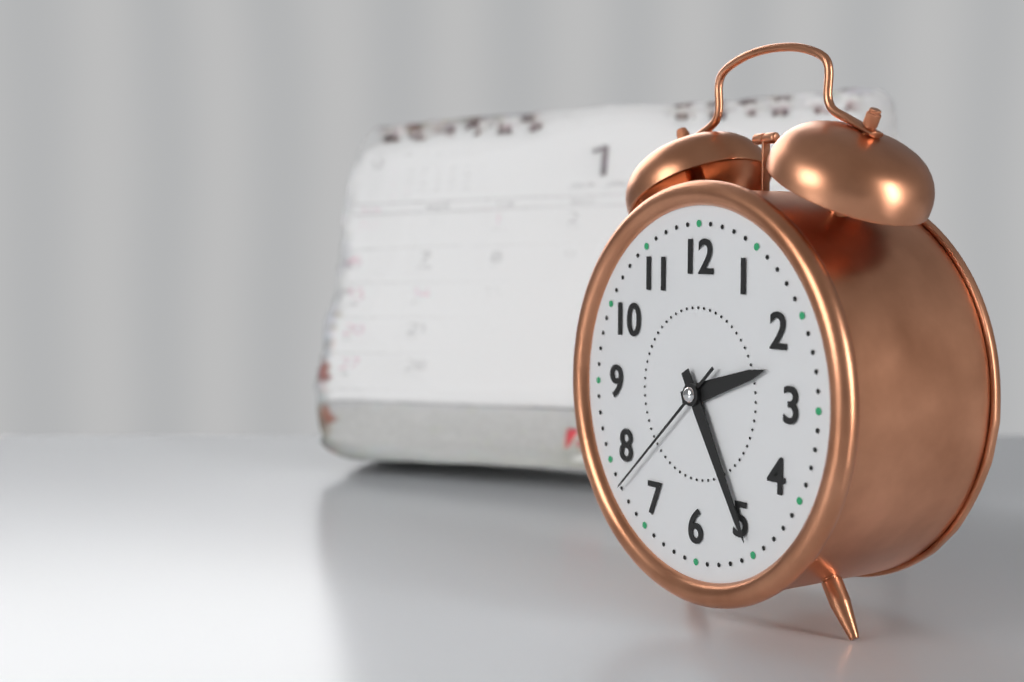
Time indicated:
2h25m38s
